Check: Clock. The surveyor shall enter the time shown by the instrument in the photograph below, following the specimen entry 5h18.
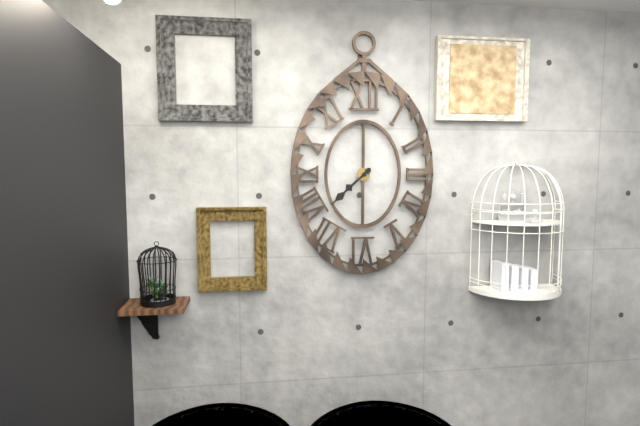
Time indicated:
7h38
